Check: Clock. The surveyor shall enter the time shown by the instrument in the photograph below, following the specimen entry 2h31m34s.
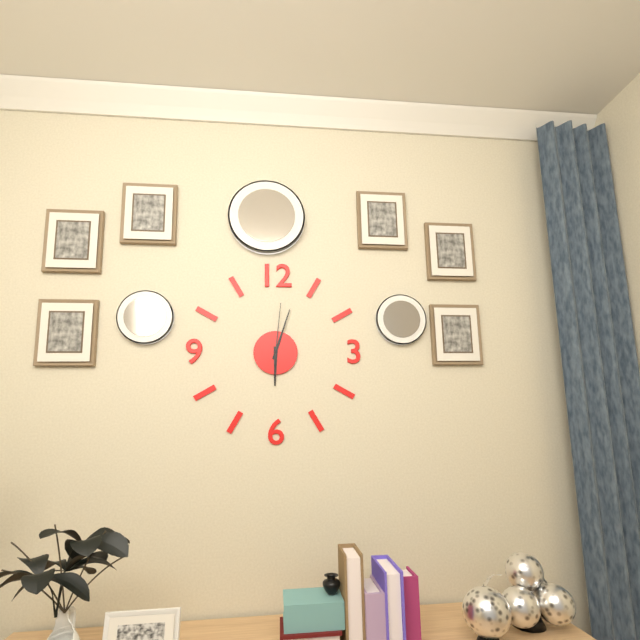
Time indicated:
6h03m01s
